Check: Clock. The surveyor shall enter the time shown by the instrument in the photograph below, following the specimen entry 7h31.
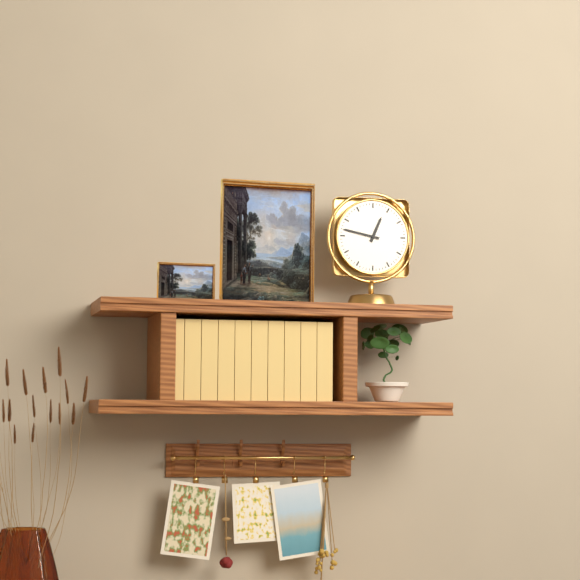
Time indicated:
12h47
